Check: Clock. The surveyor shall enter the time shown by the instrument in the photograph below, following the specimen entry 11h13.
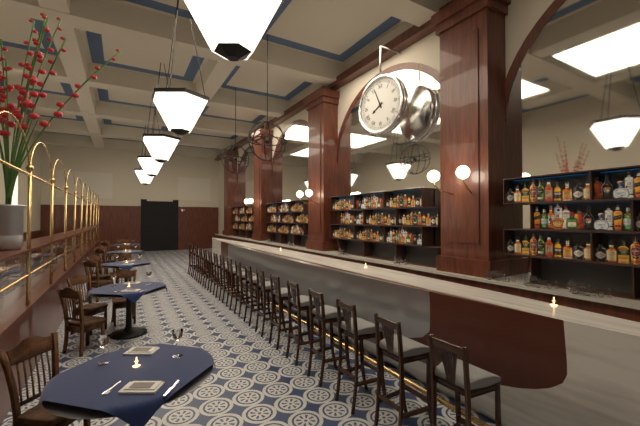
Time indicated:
7h56
